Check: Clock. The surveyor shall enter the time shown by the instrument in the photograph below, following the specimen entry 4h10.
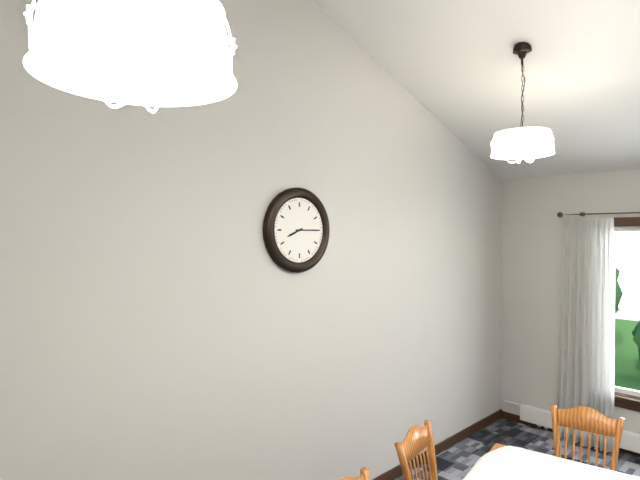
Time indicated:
8h15
